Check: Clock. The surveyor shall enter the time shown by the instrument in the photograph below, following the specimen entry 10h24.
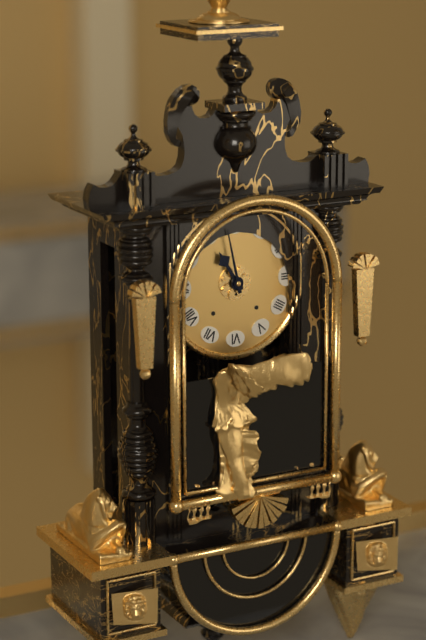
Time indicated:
10h58
